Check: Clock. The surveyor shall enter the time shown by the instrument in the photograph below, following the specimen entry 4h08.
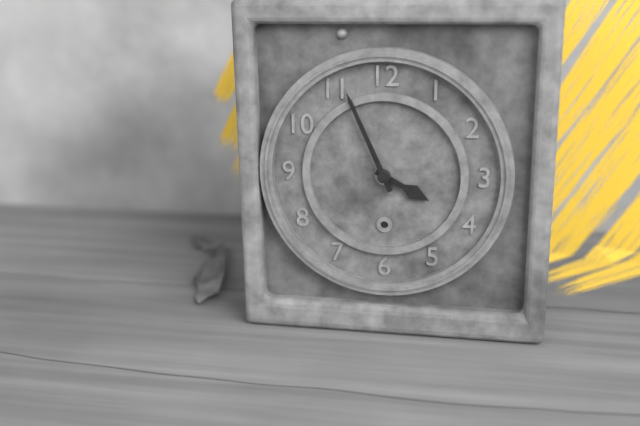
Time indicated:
3h56
